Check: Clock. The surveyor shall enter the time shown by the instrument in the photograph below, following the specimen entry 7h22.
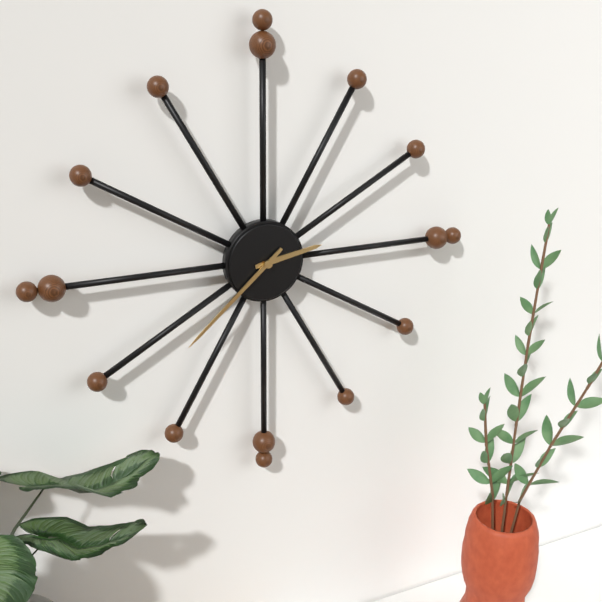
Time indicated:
2h38
